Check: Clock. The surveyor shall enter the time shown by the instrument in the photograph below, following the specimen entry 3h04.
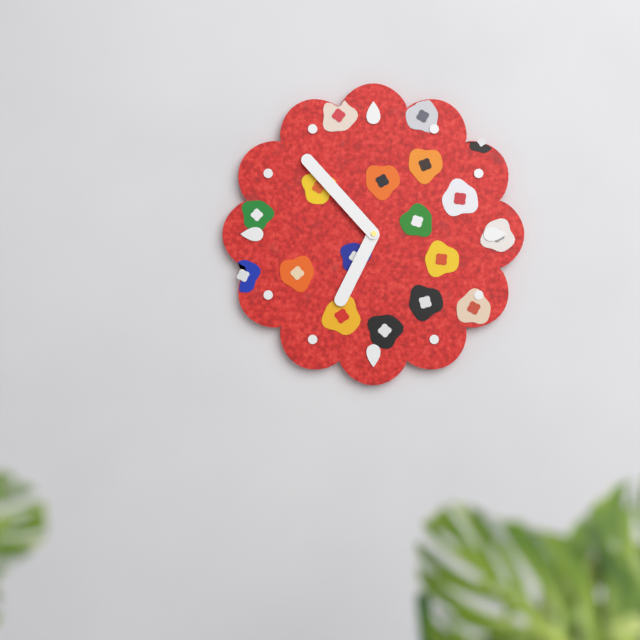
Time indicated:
6h53
